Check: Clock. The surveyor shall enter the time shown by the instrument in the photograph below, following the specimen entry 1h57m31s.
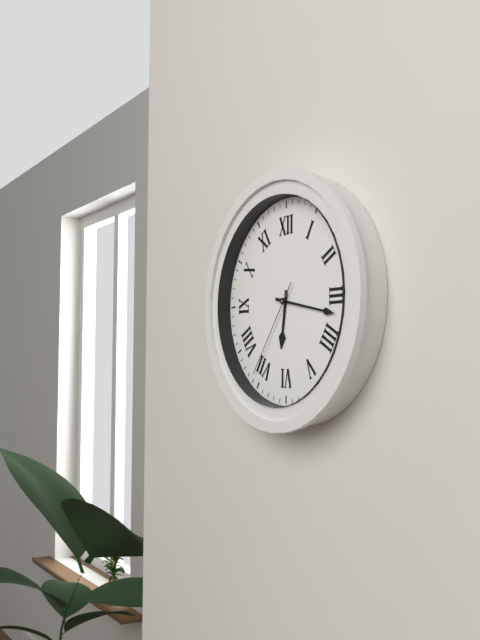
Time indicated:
6h17m36s
